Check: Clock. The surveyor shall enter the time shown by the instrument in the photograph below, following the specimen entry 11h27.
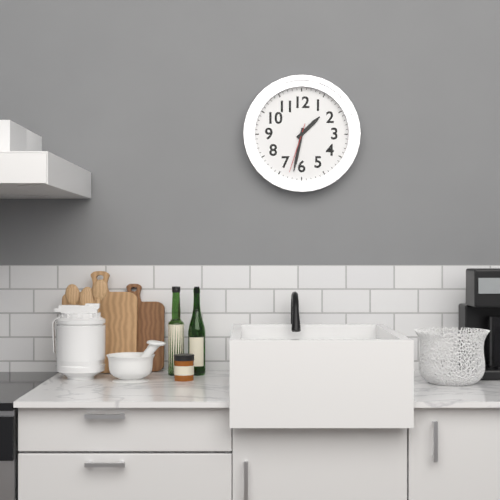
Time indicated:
1h32
